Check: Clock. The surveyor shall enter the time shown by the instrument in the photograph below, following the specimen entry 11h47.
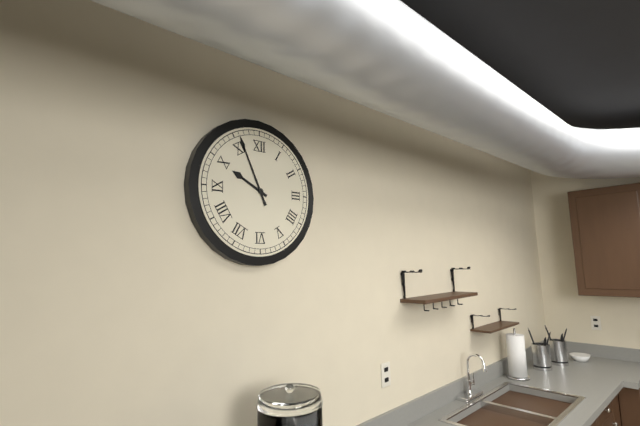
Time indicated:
9h56
